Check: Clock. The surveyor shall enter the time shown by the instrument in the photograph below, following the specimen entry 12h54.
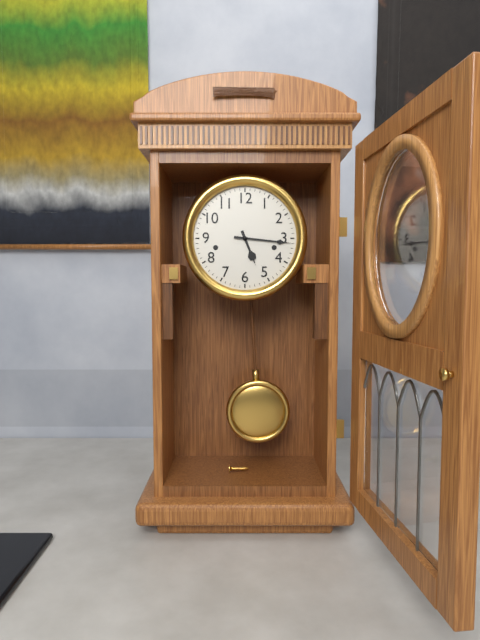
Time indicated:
5h16
